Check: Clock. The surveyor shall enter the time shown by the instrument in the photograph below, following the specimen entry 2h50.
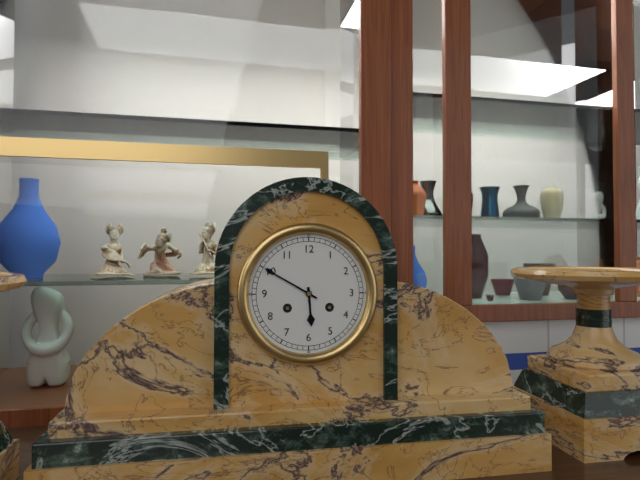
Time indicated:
5h50
